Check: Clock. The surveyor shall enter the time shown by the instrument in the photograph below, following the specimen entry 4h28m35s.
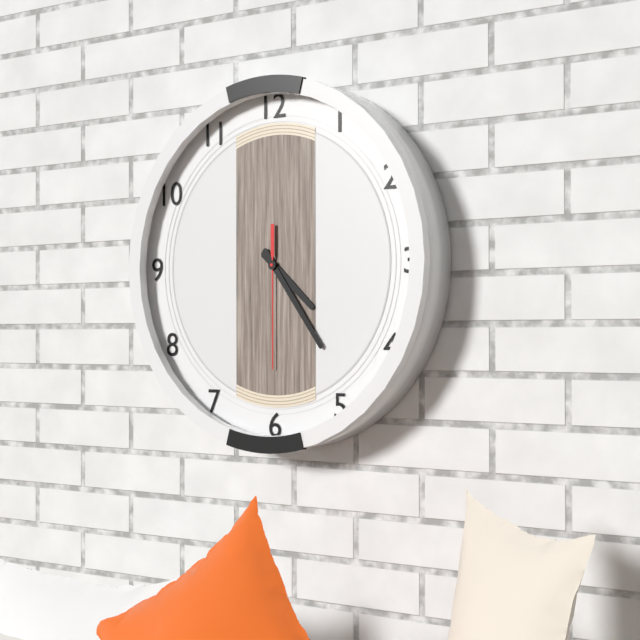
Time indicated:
4h24m30s
